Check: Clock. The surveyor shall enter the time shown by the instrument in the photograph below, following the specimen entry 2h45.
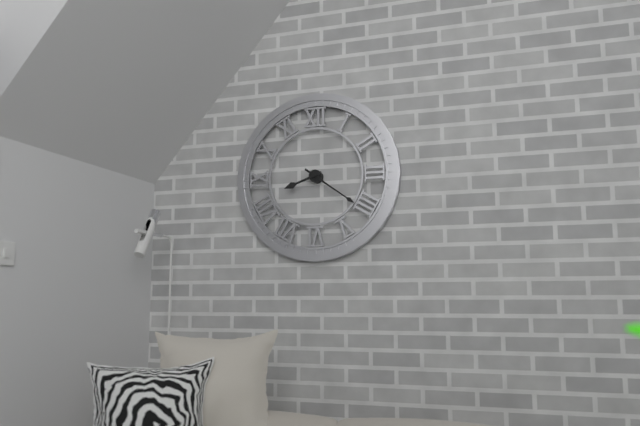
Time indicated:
8h21
